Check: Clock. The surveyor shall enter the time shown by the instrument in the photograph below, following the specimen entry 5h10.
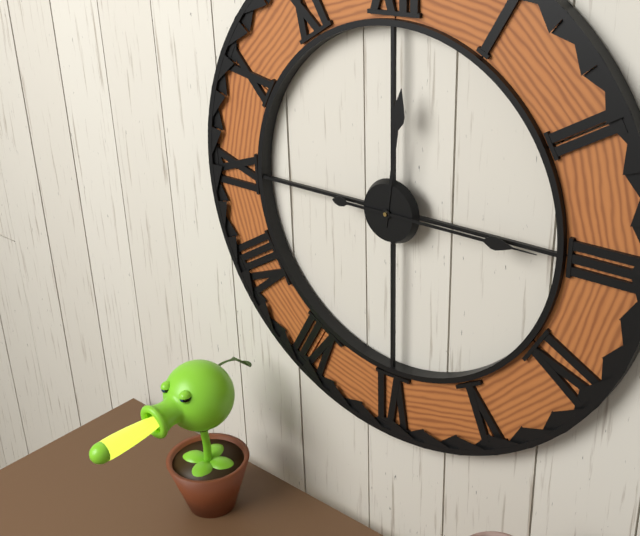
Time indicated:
12h15
